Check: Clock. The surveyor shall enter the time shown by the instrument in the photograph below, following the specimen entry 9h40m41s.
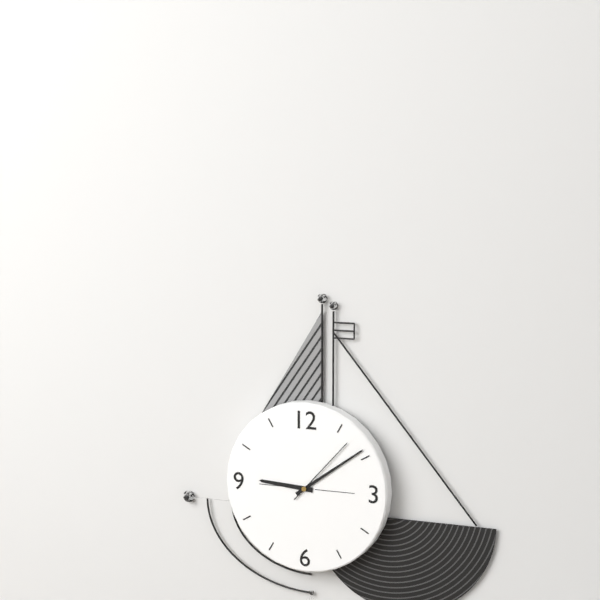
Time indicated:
9h09m07s
